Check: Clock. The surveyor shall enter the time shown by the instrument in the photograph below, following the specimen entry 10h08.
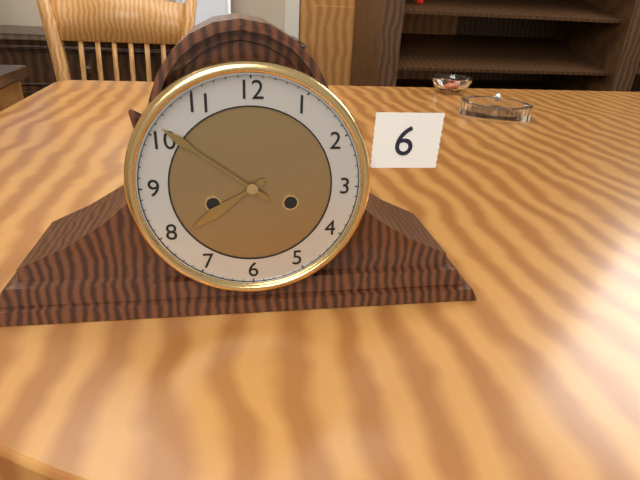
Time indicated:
7h51
